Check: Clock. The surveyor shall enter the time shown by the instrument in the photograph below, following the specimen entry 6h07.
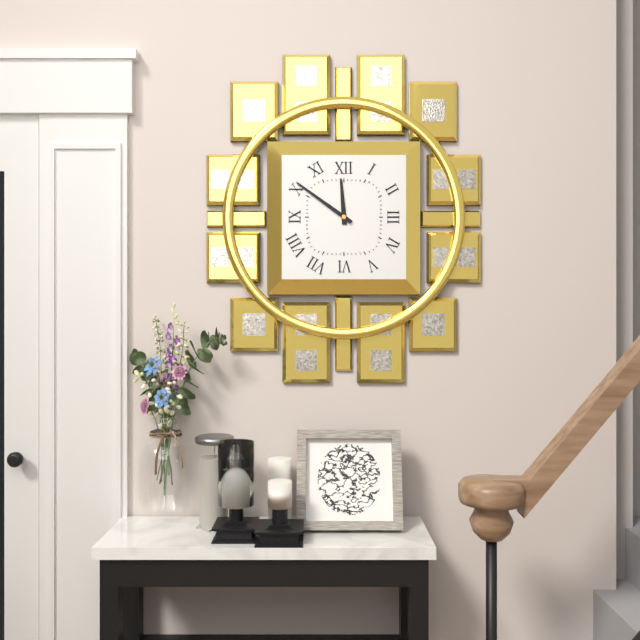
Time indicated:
11h51
